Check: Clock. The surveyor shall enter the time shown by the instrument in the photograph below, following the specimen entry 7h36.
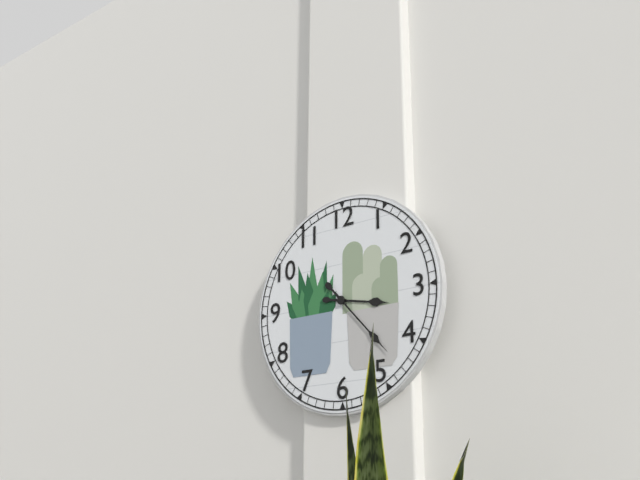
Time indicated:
3h23
